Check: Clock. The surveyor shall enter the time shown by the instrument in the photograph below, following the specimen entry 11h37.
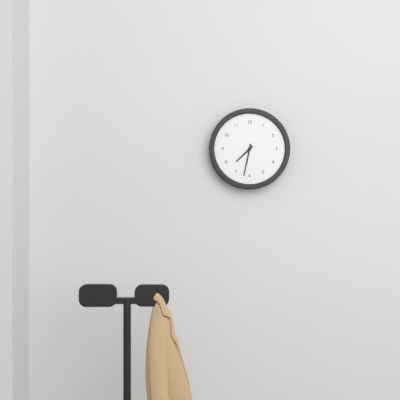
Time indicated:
7h32
